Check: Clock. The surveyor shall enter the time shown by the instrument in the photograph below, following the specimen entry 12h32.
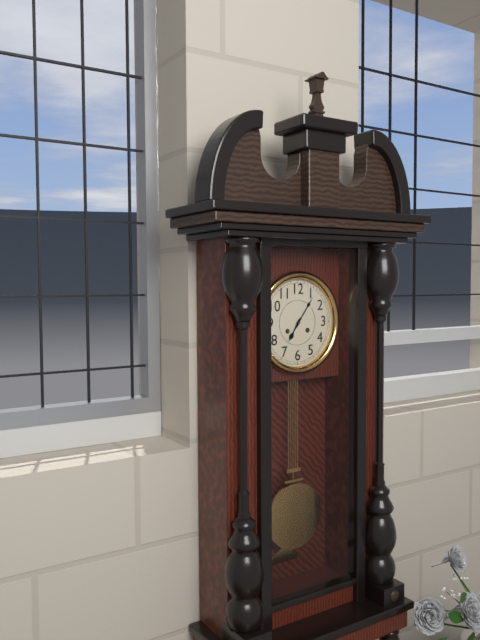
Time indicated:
7h06
